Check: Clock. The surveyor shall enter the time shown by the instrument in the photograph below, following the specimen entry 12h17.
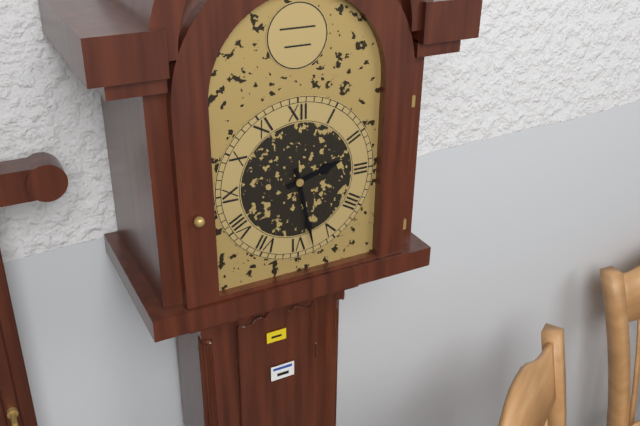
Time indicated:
2h28
